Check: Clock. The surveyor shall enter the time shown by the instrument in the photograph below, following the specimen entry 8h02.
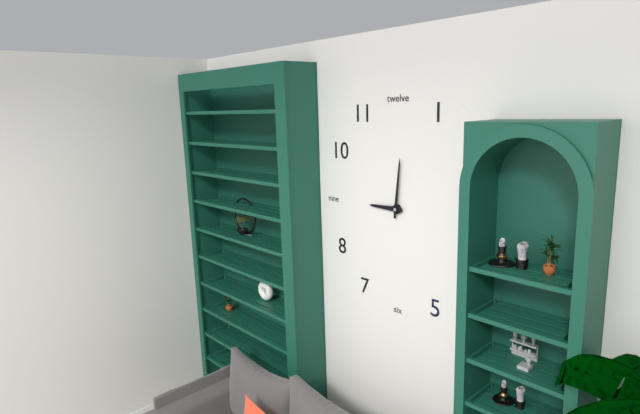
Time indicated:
9h01
